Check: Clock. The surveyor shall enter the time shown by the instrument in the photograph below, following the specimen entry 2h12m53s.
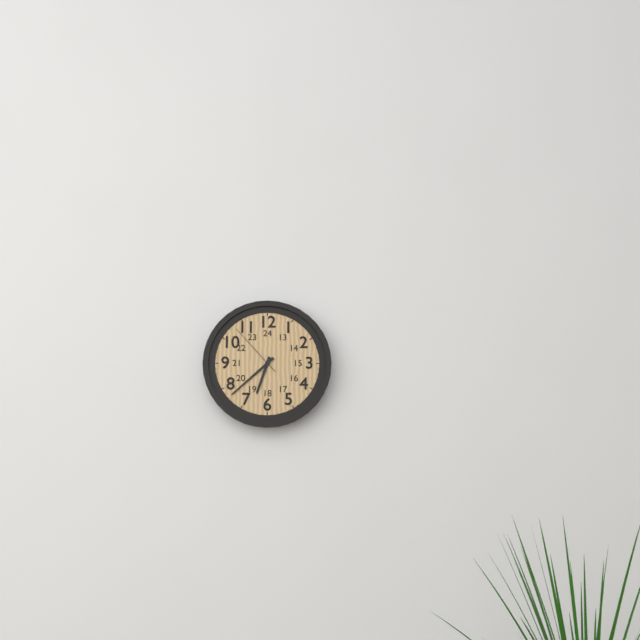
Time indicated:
6h38m53s
